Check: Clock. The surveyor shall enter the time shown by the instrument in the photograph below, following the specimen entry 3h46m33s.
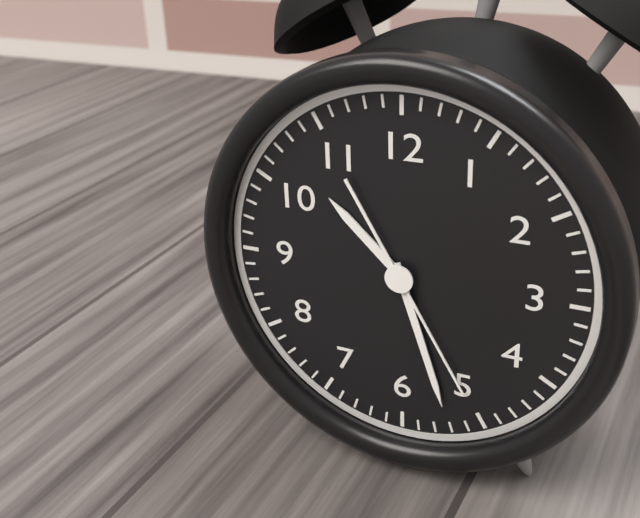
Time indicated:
10h27m25s
